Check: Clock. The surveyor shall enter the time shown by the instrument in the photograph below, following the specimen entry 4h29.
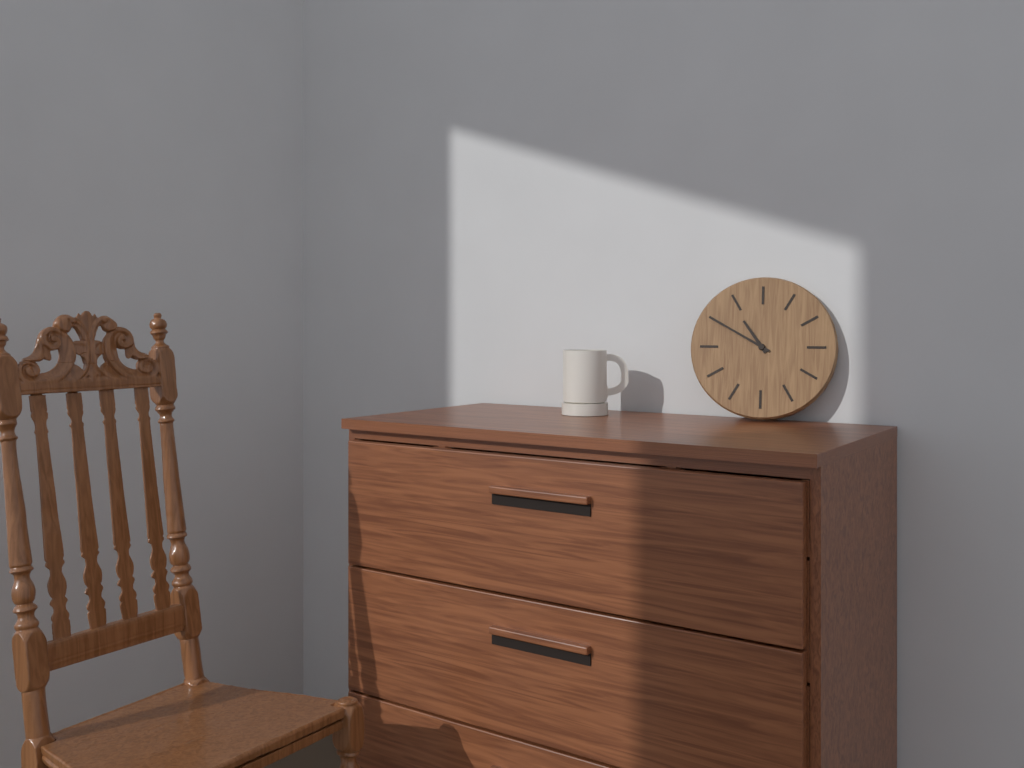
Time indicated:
10h50
